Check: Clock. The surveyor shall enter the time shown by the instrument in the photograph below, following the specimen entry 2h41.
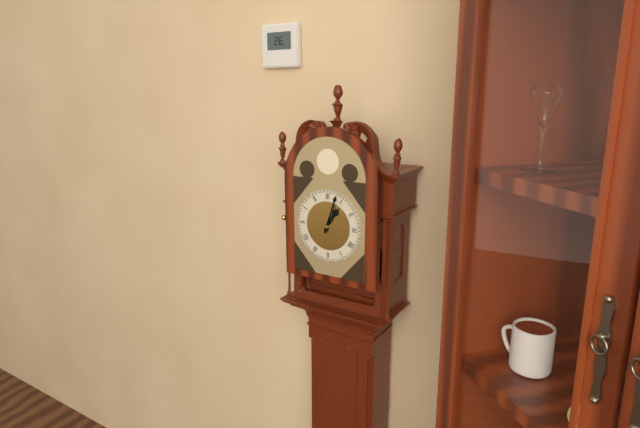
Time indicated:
1h03
